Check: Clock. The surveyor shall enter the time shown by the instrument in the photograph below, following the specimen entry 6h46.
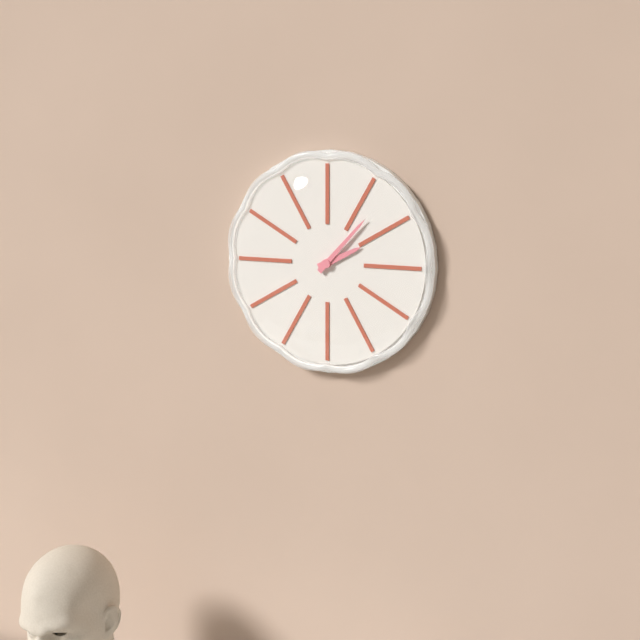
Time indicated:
2h07
